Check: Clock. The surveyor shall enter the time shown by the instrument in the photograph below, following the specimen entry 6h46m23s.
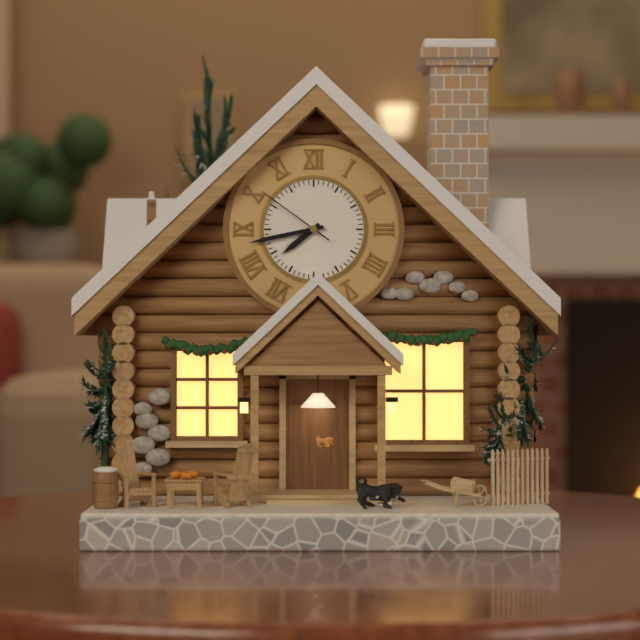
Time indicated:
7h43m51s
